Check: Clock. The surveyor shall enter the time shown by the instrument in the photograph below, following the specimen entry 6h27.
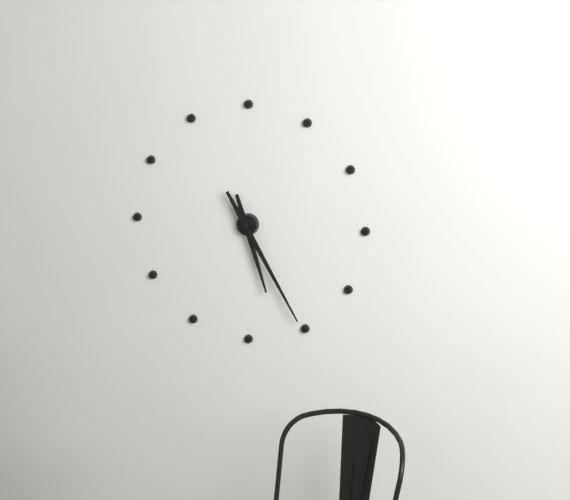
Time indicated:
5h25
